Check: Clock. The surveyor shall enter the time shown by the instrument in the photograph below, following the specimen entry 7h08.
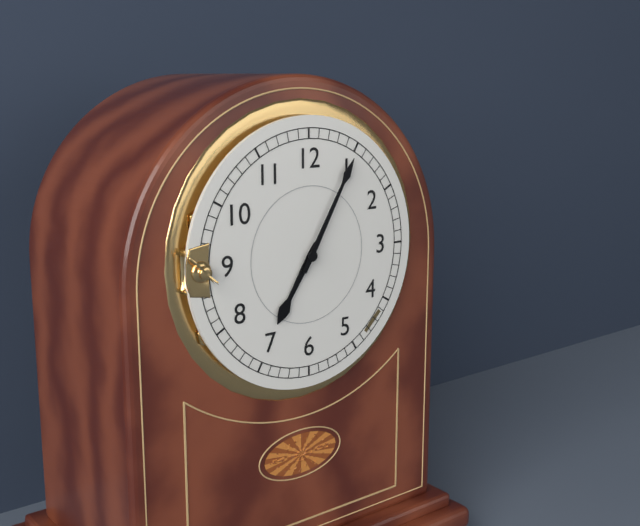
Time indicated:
7h05
